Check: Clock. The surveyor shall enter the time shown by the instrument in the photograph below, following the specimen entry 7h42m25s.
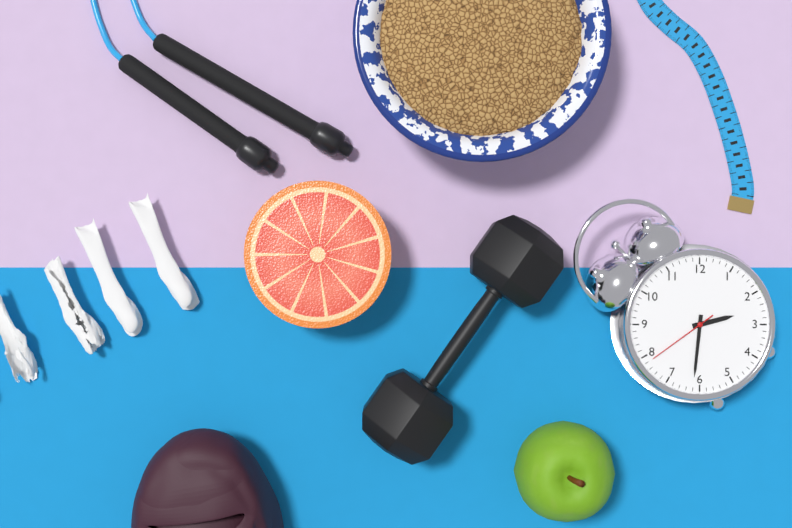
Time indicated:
2h31m39s
